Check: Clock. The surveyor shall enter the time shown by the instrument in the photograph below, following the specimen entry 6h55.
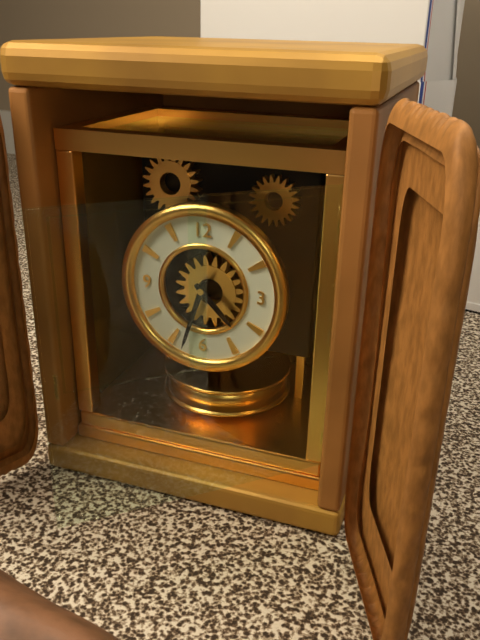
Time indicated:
4h33
